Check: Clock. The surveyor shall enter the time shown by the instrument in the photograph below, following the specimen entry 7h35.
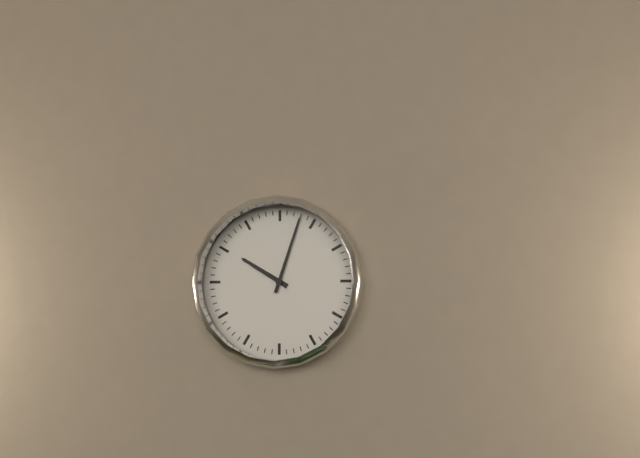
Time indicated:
10h03
